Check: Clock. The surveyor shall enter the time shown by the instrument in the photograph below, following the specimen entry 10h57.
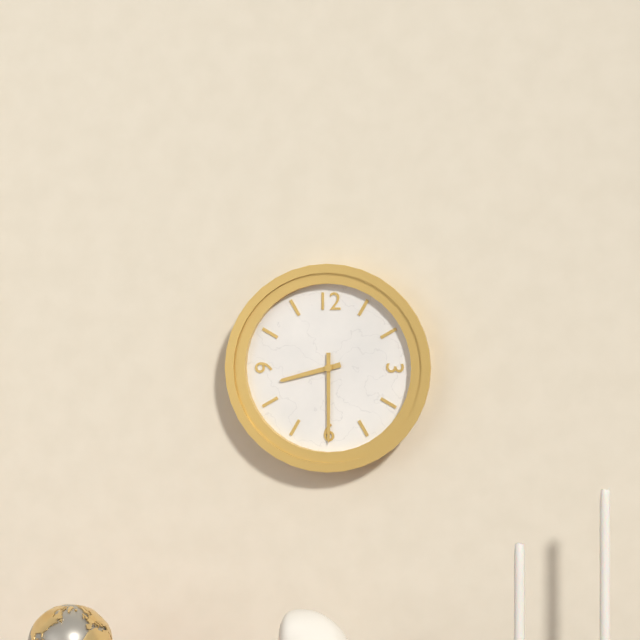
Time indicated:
8h30
